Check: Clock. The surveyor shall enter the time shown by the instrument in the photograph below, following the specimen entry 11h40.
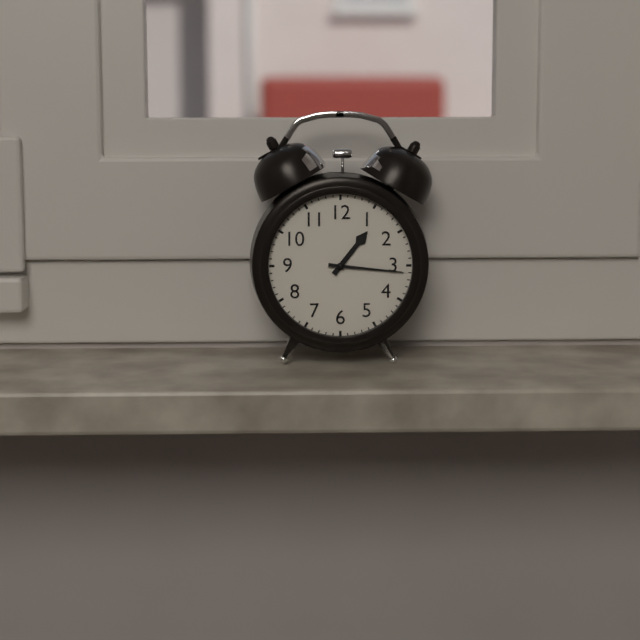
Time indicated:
1h16
